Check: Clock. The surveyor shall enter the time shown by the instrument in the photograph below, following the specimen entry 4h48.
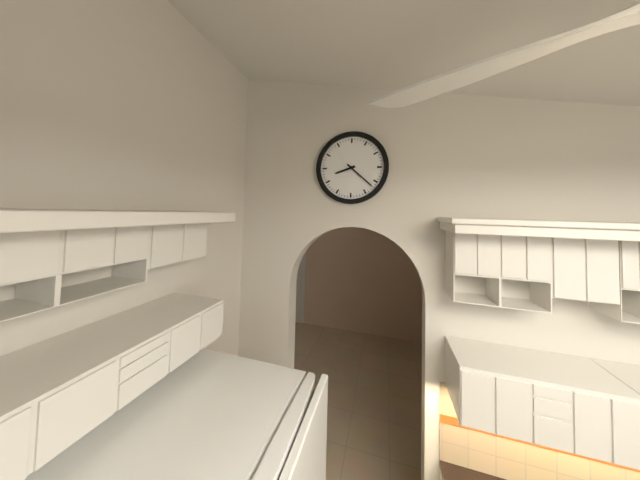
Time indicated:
8h22
